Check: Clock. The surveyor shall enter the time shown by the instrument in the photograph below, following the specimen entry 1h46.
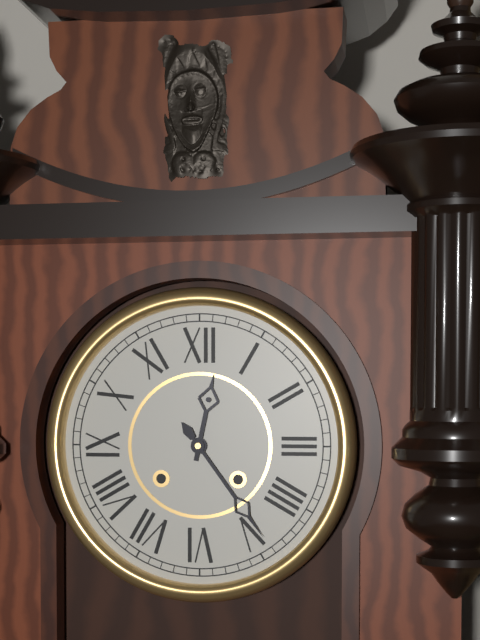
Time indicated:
12h24
